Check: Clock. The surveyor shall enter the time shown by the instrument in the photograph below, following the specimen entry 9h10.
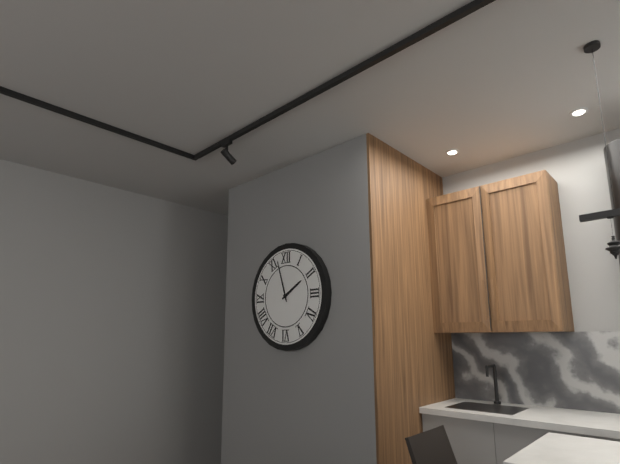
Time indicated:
1h57
